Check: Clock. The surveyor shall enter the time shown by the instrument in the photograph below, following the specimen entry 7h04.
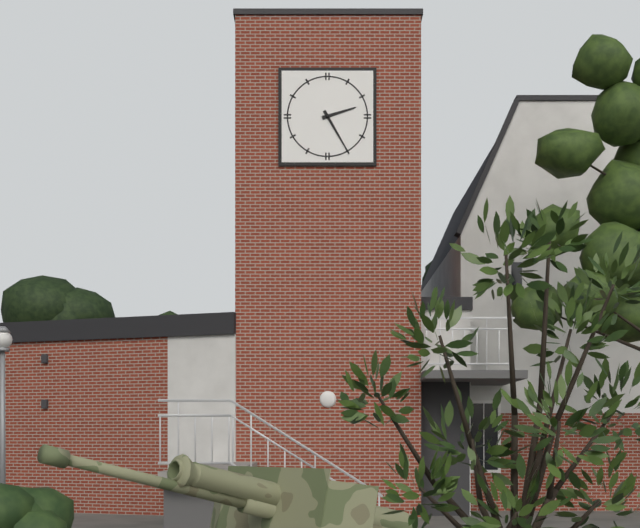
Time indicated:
2h25
